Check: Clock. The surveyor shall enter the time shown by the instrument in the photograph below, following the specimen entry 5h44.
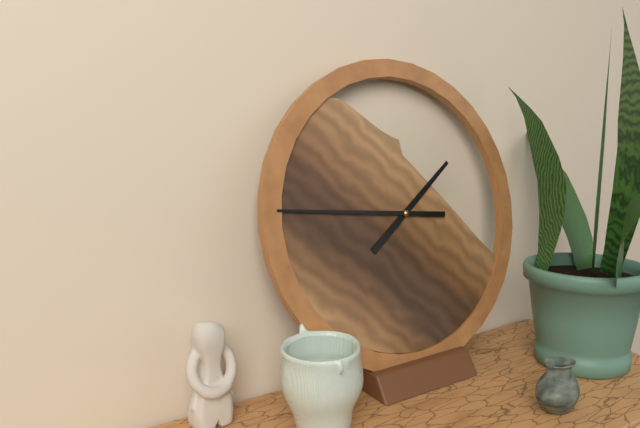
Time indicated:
1h46
